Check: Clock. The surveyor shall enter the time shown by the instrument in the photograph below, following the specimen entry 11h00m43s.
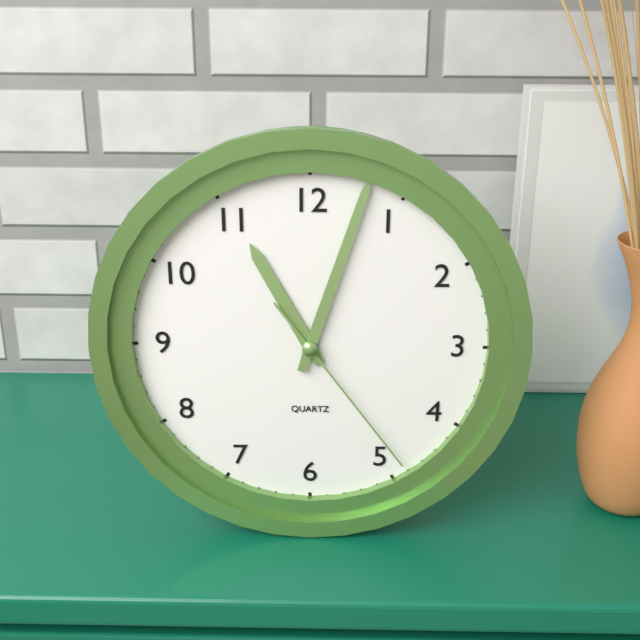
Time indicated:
11h03m24s
